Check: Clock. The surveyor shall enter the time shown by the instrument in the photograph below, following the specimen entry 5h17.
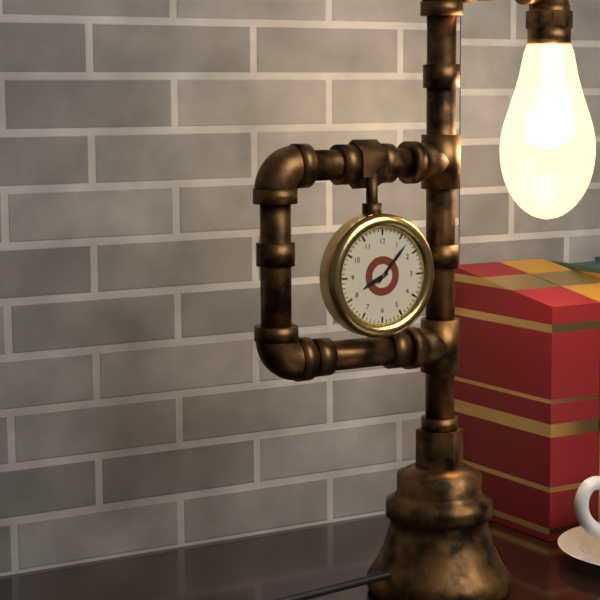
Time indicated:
8h07
